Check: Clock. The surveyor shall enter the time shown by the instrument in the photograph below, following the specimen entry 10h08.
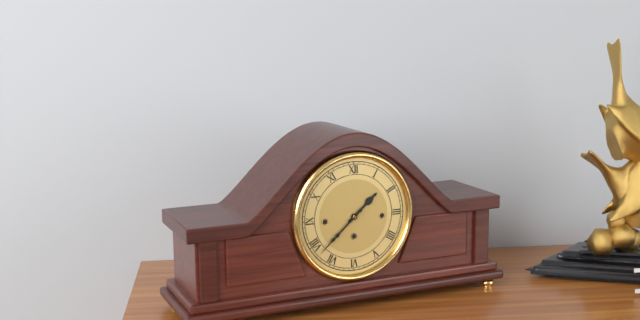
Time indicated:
1h38
